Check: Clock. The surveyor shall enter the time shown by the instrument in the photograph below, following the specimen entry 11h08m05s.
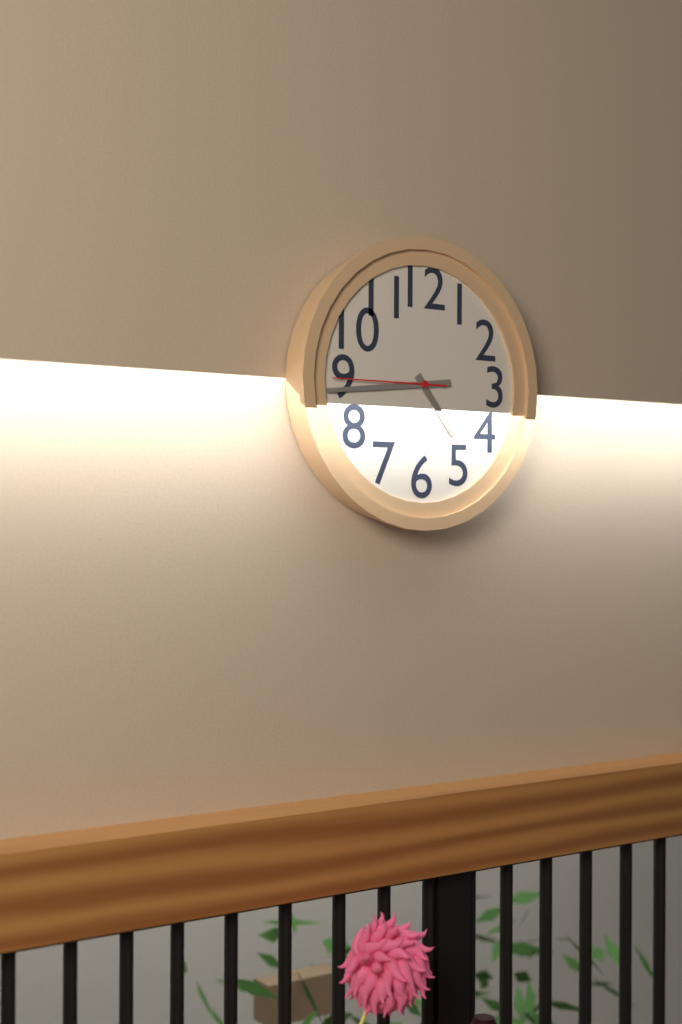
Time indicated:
4h44m45s
